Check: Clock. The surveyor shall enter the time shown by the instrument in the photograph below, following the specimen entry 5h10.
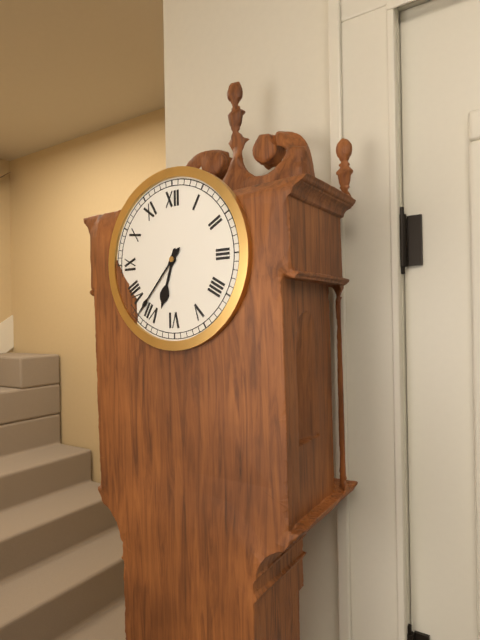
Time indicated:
6h37
